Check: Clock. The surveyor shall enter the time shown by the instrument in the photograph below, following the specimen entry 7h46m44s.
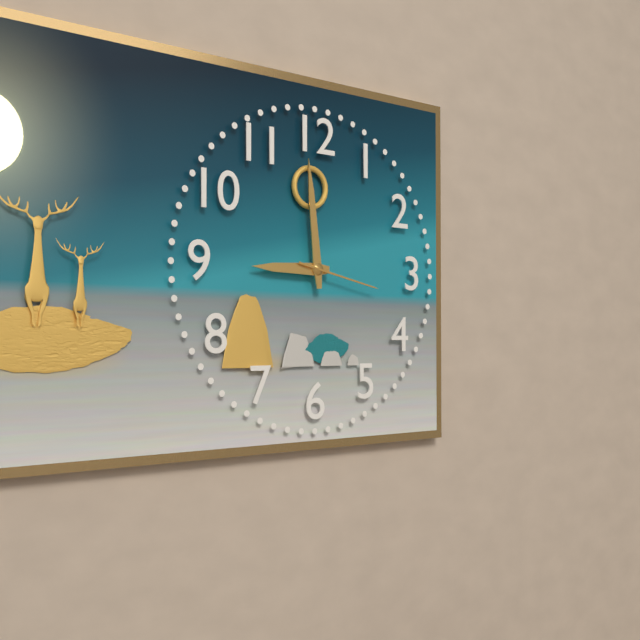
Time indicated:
8h59m17s
